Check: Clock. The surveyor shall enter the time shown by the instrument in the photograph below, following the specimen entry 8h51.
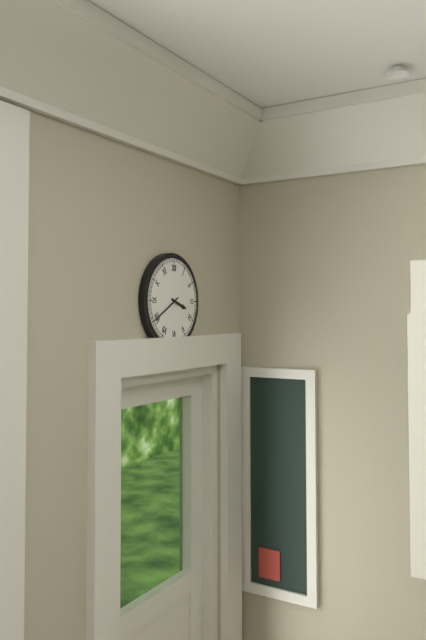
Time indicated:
3h40
